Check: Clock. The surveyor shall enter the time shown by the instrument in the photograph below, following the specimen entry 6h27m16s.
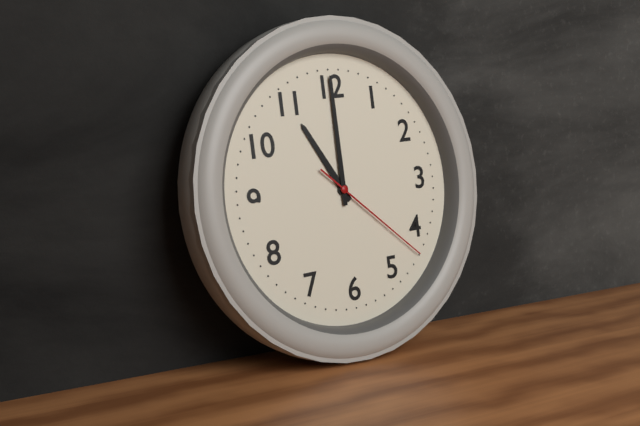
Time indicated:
11h00m22s
